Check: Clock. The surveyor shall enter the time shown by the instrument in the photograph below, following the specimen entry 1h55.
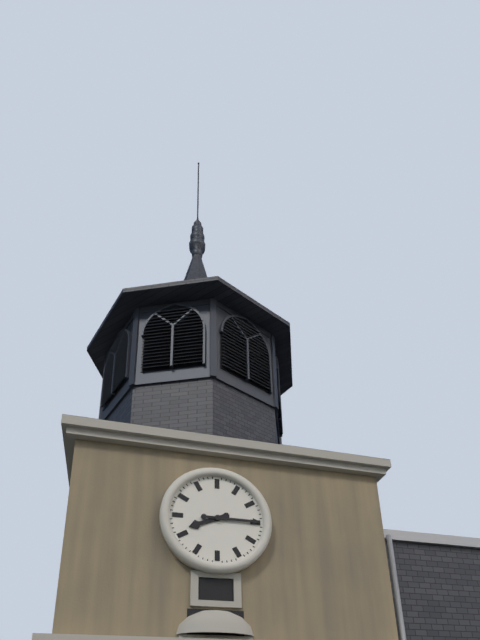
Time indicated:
8h15
